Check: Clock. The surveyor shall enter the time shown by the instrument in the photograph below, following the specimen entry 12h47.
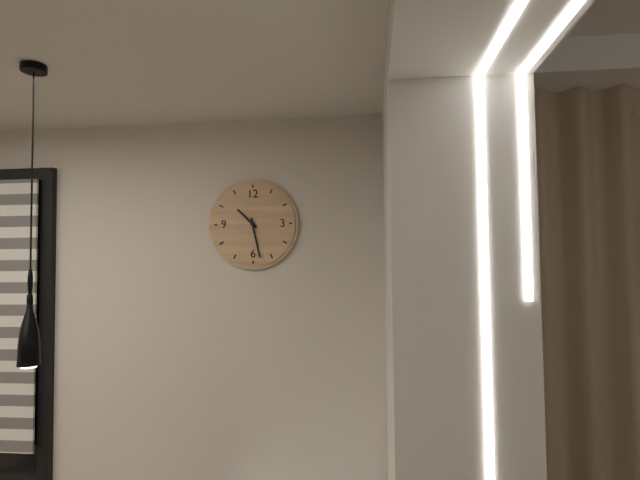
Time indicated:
10h28
